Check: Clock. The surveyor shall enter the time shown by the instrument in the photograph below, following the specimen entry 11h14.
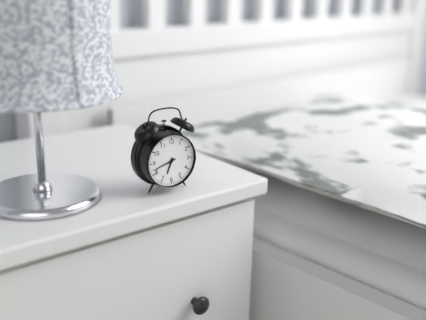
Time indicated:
6h42
